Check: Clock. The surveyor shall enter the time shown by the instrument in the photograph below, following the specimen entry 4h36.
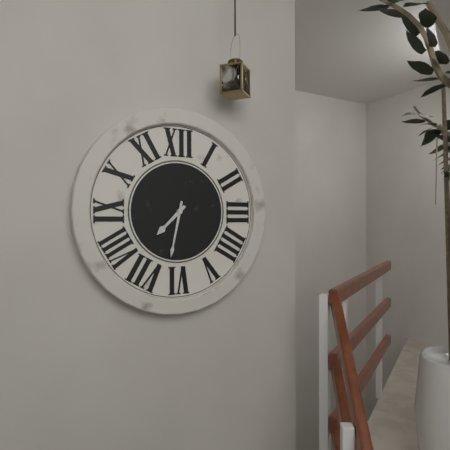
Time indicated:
7h32
